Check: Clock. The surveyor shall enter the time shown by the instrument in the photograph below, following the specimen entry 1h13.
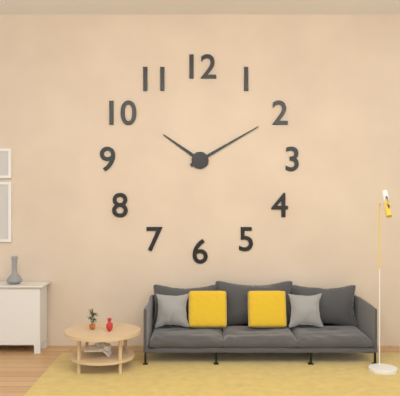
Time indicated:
10h10
